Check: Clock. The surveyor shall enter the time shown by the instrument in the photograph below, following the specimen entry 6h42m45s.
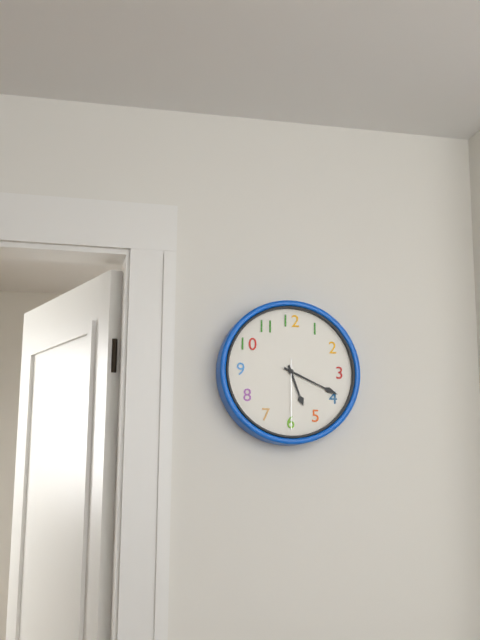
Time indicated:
5h19m30s
